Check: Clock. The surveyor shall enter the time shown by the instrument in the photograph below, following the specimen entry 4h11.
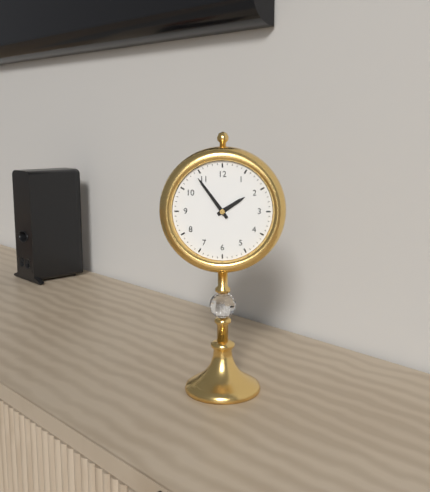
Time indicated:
1h54
